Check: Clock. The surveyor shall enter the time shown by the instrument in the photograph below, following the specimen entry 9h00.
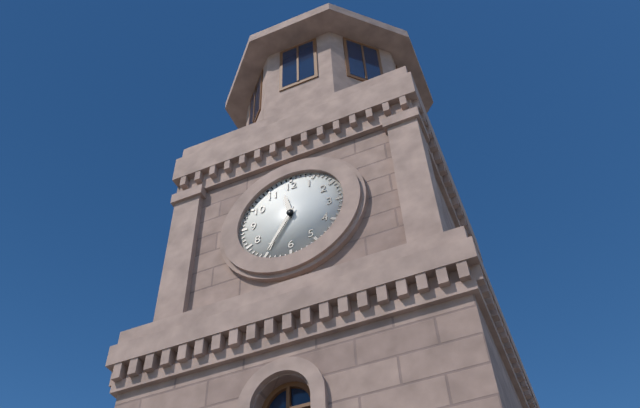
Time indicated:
11h35
